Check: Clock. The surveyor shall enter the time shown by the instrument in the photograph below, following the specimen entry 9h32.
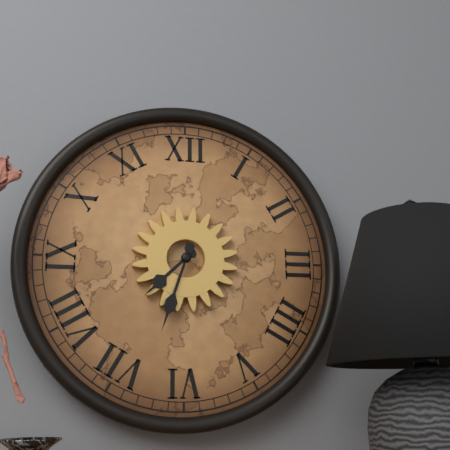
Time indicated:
7h33
